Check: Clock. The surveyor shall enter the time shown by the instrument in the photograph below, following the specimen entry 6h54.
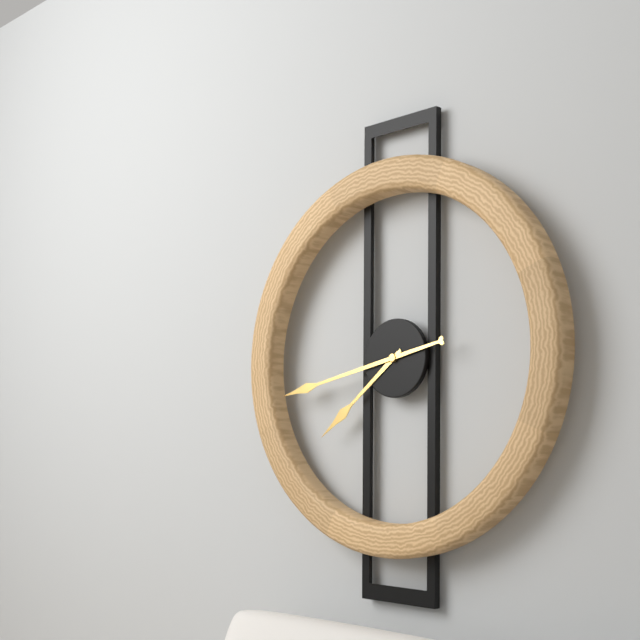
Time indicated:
7h43
